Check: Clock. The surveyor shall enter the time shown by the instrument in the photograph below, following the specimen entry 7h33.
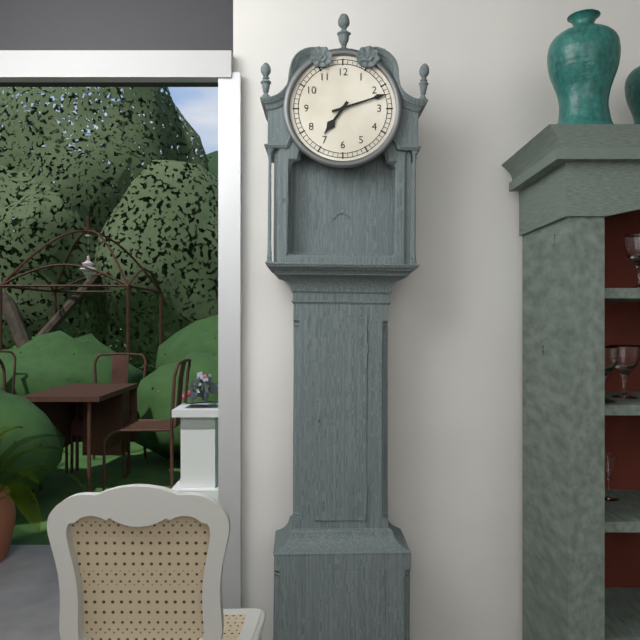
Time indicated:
7h12
